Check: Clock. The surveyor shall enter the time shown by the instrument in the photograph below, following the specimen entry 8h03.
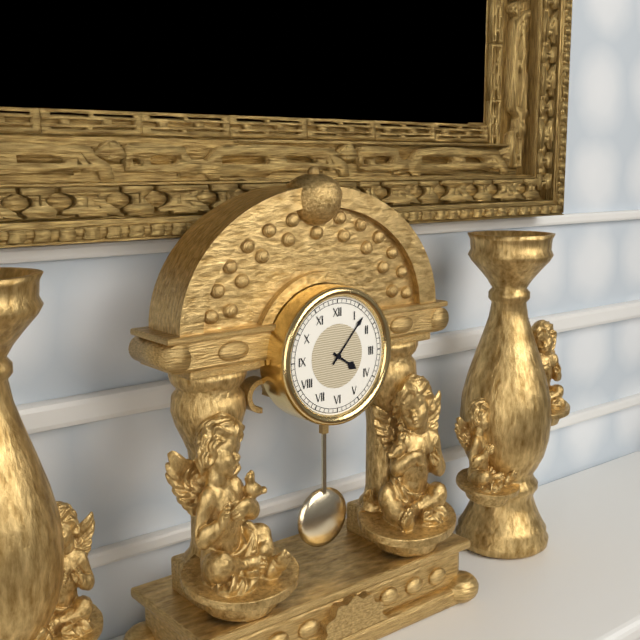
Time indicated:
4h07
